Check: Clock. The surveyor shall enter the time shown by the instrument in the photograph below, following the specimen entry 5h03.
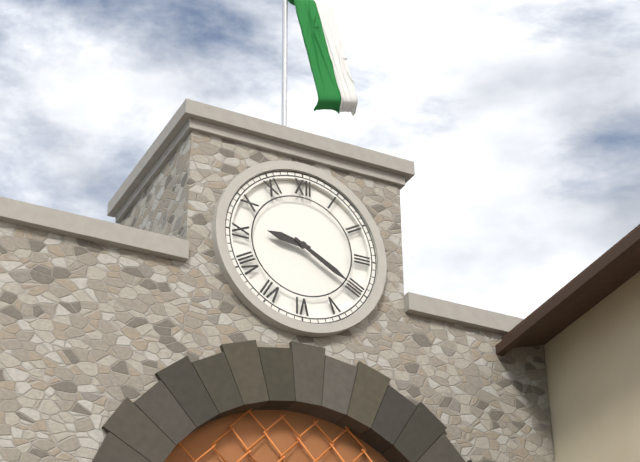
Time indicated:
9h20
